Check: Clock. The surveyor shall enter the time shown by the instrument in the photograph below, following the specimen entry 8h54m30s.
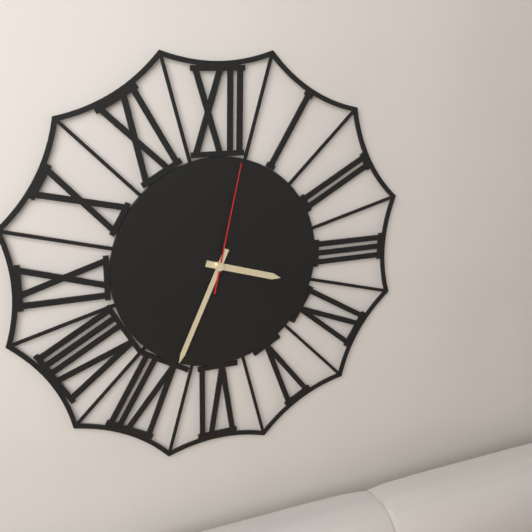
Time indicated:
3h34m02s
